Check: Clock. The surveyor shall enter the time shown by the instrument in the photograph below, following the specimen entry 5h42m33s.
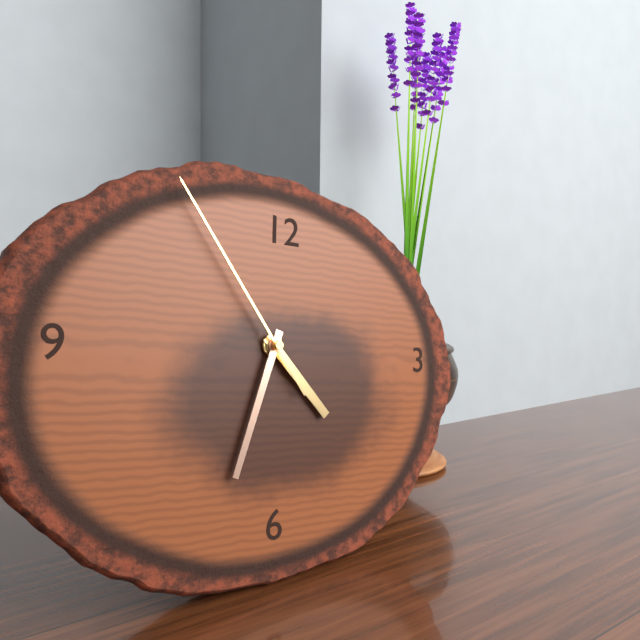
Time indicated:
4h33m54s
